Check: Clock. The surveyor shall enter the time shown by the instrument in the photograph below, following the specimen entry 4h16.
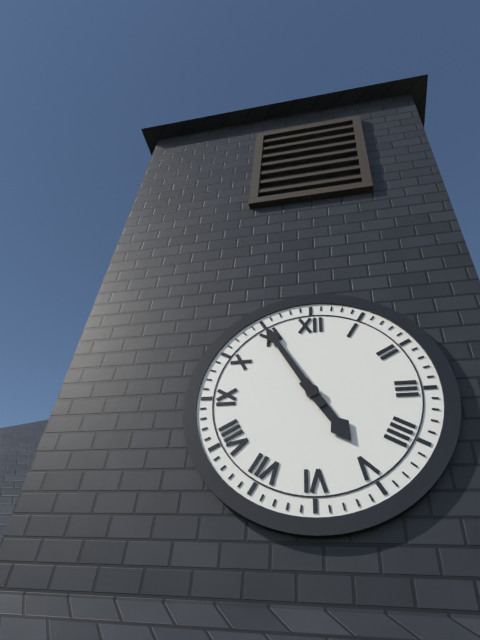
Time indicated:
4h55
